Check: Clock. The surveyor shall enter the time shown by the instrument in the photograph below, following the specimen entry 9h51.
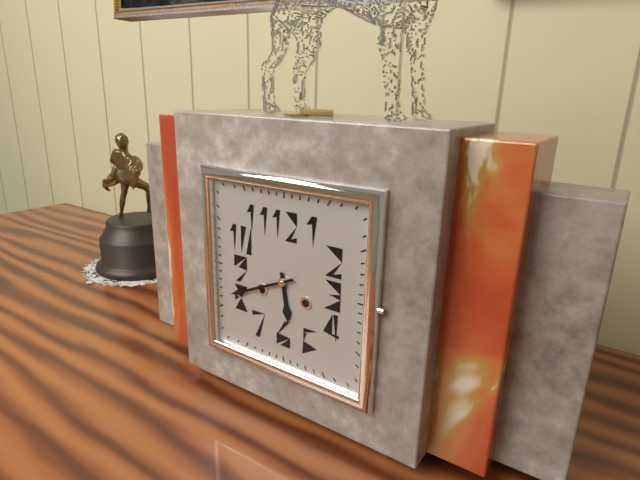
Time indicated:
5h41
